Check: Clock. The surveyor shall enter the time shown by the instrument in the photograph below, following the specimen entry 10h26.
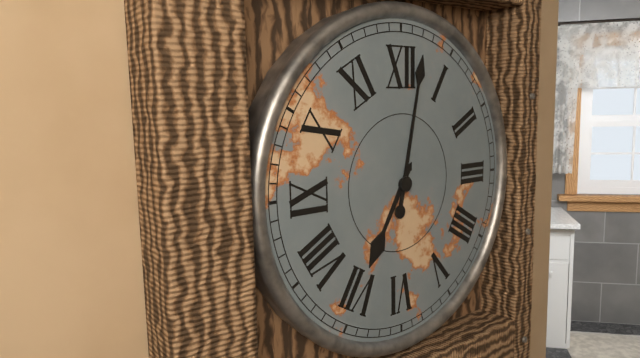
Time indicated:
7h02
